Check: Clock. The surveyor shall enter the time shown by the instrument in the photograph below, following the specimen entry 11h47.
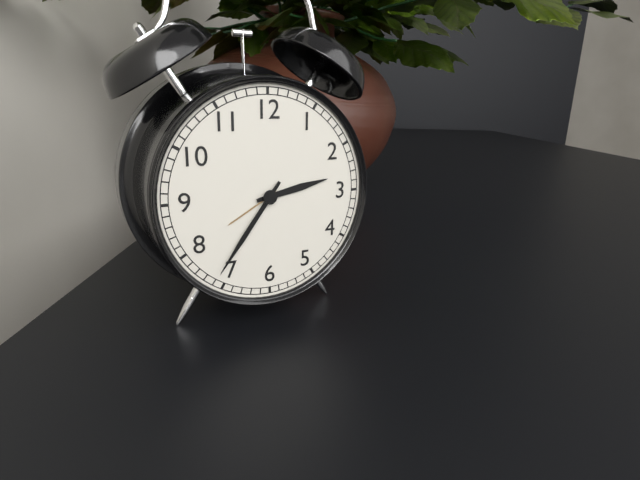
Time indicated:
2h36
